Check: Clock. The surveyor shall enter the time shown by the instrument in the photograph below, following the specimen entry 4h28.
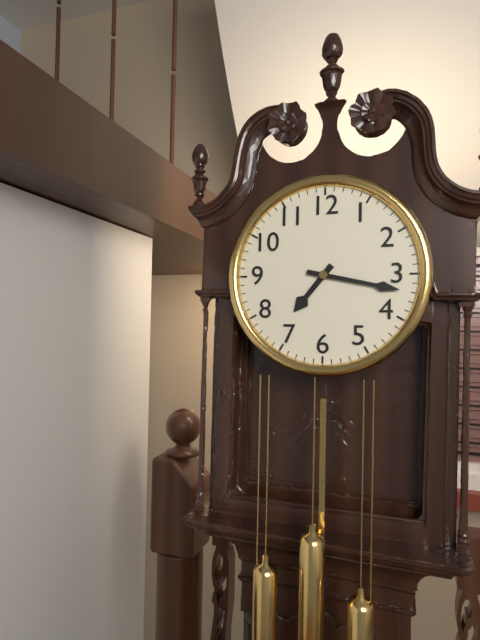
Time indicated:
7h17
